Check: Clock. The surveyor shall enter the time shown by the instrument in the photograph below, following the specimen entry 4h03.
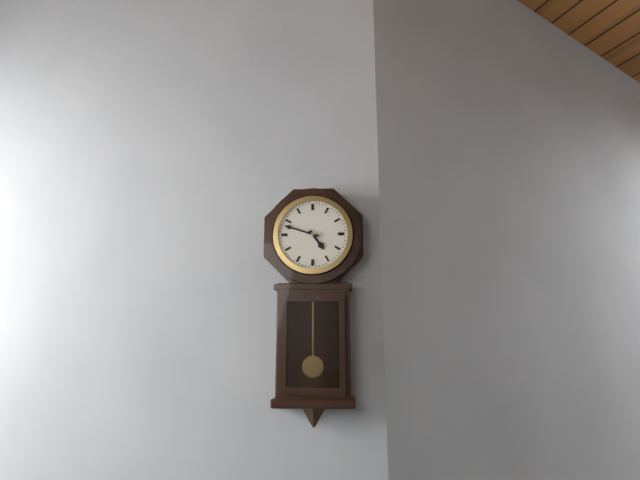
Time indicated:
4h48
